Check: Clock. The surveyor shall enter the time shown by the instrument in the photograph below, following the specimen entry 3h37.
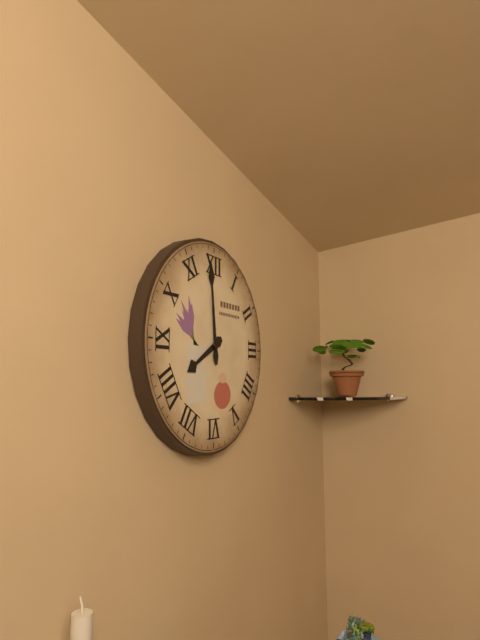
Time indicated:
7h59
